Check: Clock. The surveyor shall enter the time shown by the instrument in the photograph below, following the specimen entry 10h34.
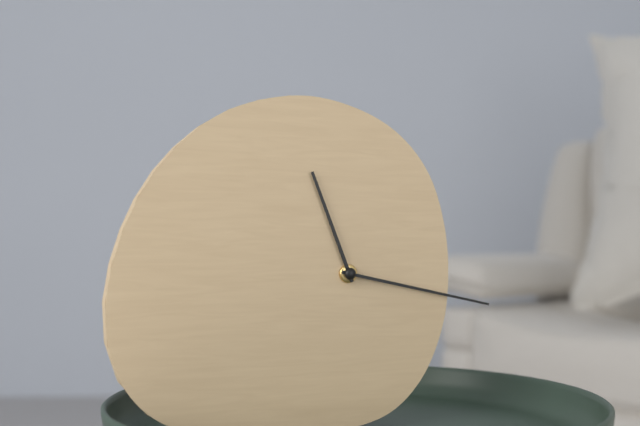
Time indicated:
11h17
